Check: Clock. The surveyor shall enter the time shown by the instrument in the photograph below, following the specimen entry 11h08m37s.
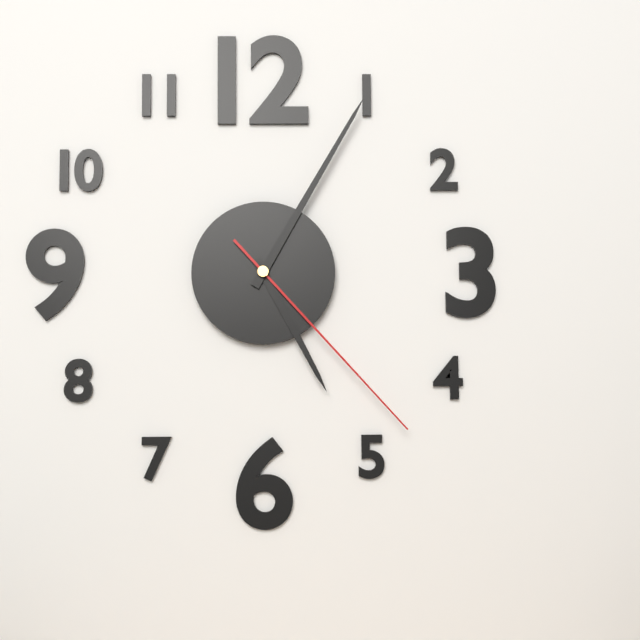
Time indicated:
5h05m23s
